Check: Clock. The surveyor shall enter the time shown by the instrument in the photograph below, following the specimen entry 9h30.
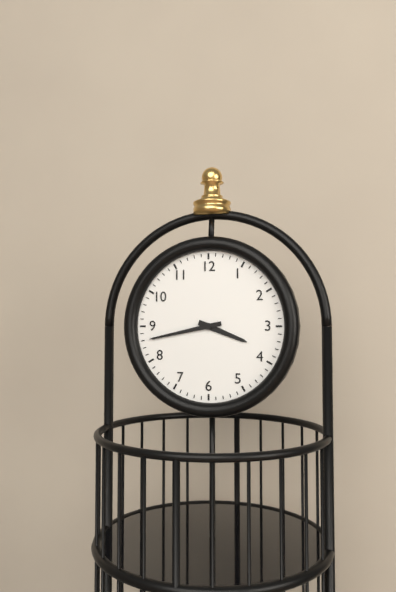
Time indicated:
3h43
